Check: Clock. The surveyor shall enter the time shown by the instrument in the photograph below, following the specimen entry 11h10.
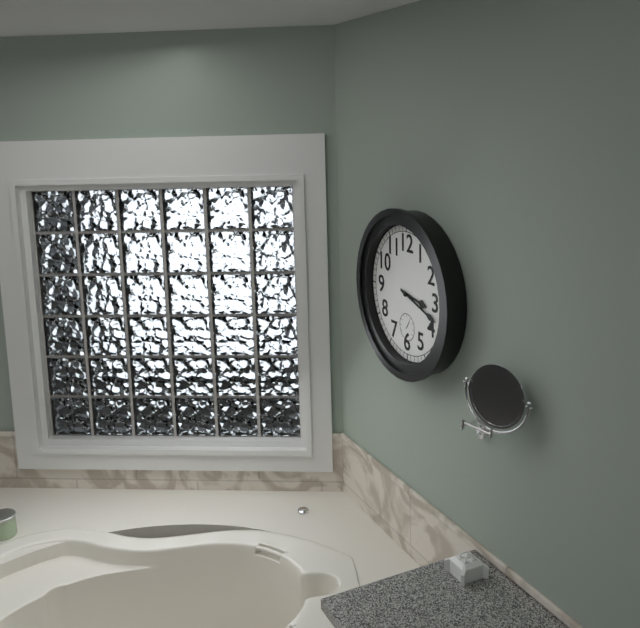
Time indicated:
3h18
